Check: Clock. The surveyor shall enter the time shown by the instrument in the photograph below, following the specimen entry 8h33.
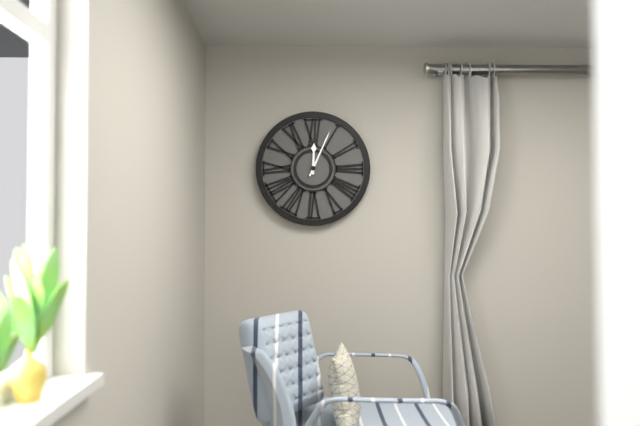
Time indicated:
12h04
